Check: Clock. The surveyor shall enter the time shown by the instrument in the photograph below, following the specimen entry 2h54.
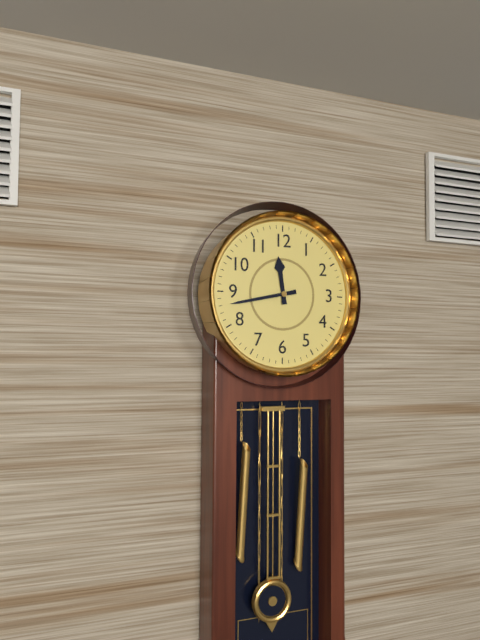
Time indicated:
11h43
